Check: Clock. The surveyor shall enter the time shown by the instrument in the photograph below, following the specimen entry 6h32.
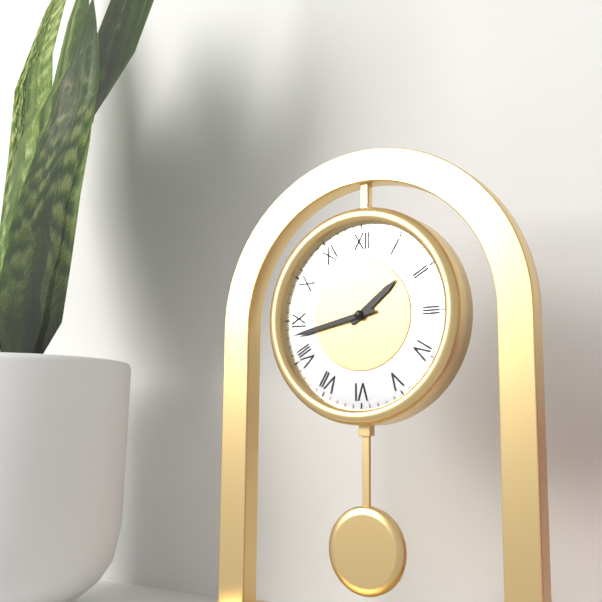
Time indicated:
1h43
